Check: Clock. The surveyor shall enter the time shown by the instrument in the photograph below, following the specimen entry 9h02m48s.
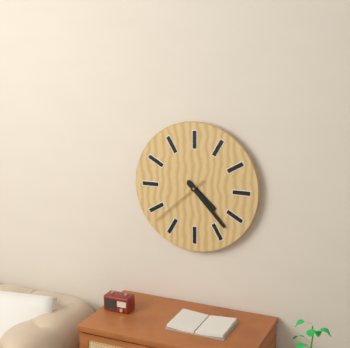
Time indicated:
4h23m38s
